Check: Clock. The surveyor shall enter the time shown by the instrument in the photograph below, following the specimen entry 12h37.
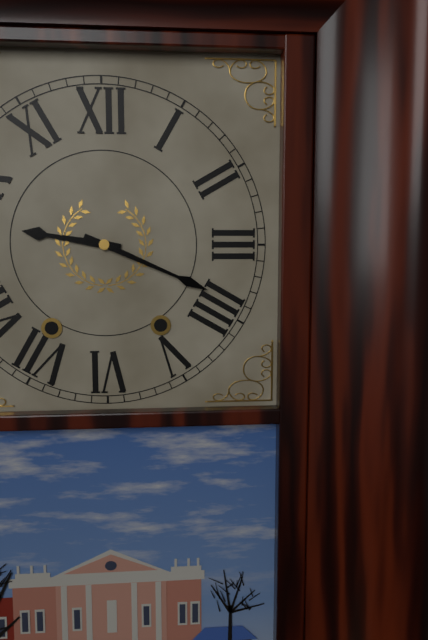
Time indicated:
9h19
